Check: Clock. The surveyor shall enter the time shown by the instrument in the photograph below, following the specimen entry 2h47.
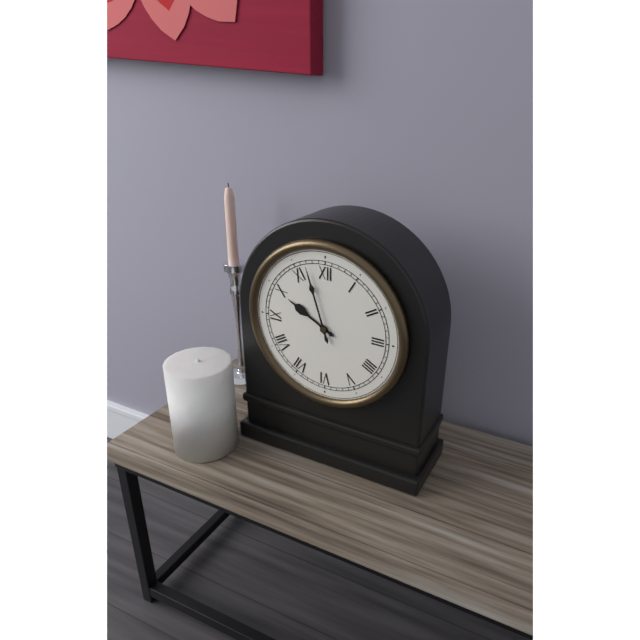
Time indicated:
9h57
